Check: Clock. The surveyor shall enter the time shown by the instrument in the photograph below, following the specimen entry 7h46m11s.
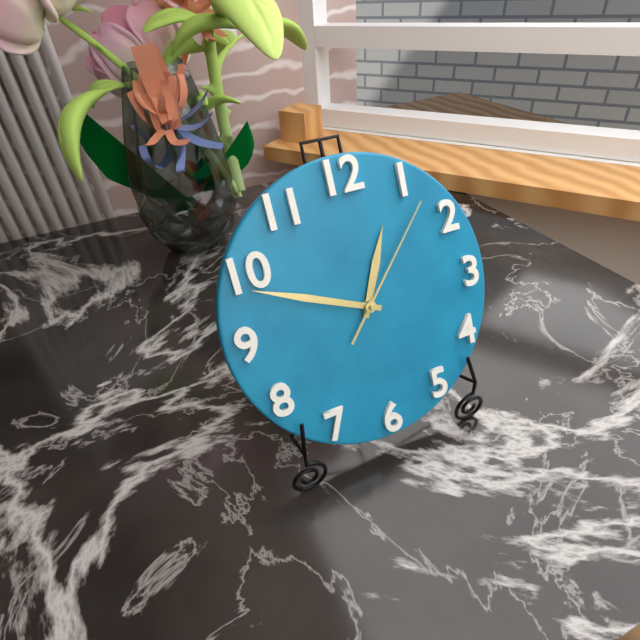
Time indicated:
12h49m07s
